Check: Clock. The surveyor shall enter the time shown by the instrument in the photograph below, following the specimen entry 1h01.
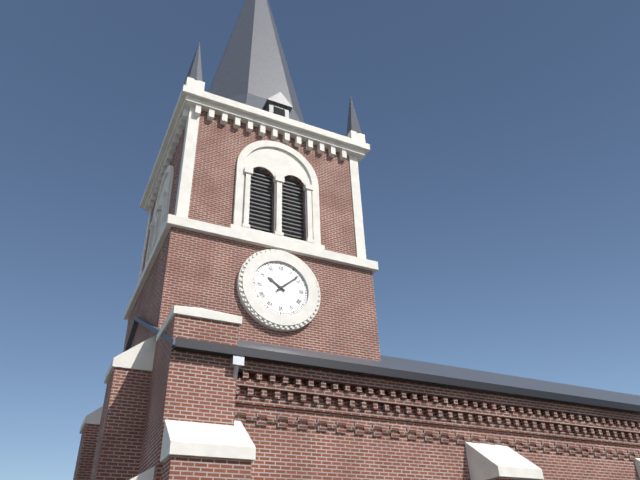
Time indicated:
10h08
